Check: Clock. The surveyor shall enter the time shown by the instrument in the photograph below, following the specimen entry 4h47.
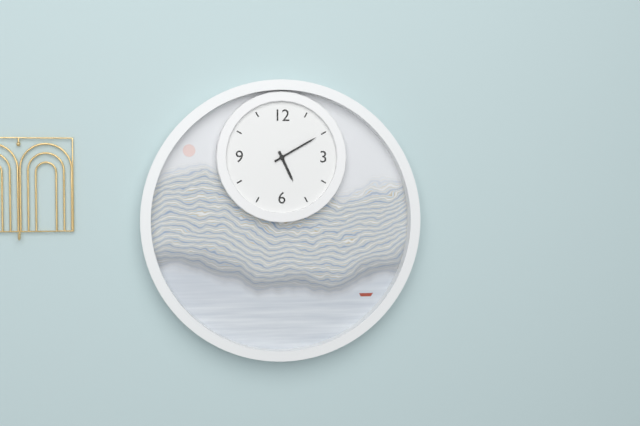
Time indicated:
5h10
